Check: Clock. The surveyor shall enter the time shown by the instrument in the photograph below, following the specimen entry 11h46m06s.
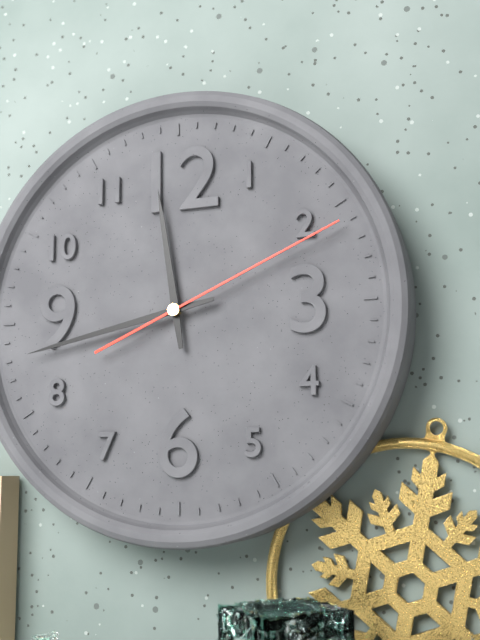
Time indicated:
11h43m11s
